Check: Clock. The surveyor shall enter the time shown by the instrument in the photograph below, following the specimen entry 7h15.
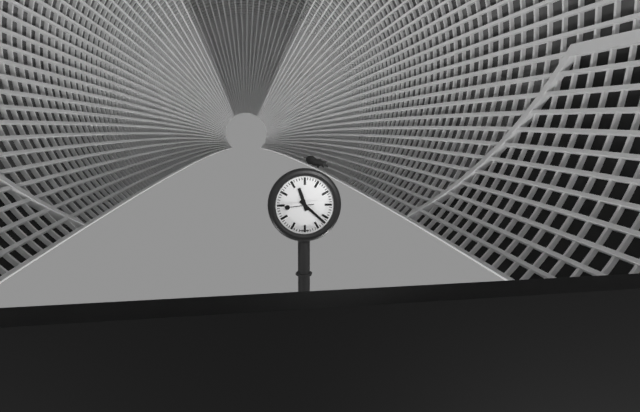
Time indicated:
11h22
